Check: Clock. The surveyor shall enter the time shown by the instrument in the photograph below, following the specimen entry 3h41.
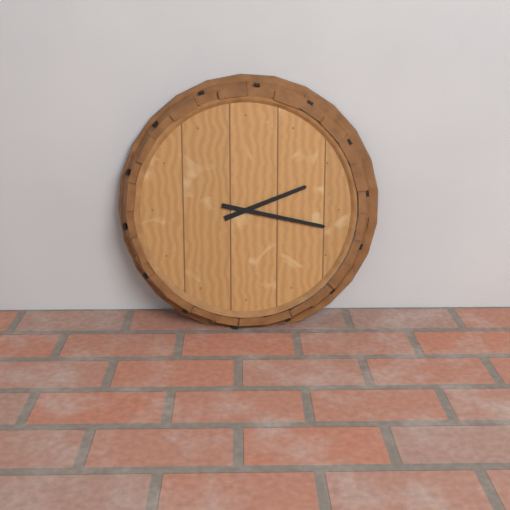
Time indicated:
2h17
